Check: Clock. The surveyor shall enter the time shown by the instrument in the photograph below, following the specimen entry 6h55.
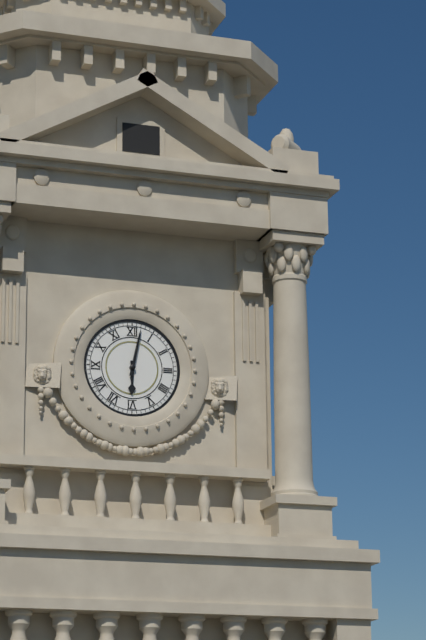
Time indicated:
6h02
